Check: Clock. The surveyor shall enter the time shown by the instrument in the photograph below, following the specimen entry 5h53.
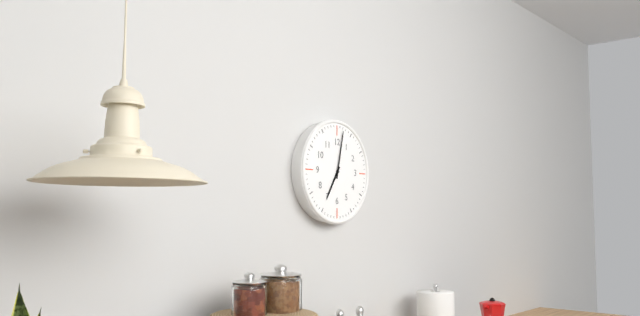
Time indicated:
7h02
